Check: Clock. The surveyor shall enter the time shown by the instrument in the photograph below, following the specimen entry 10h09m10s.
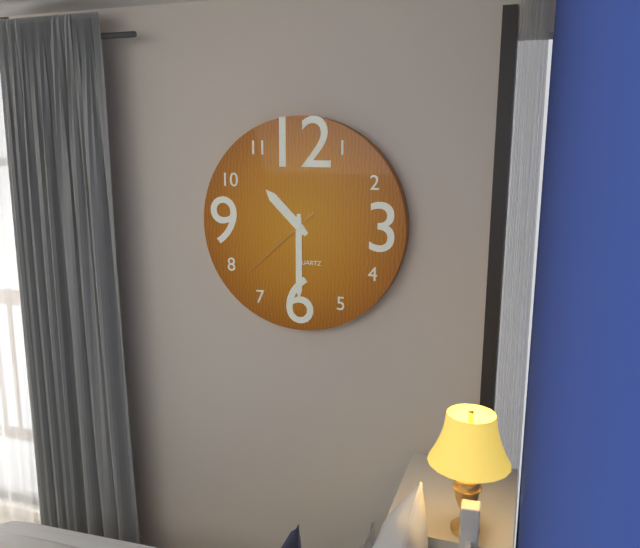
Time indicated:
10h30m38s
